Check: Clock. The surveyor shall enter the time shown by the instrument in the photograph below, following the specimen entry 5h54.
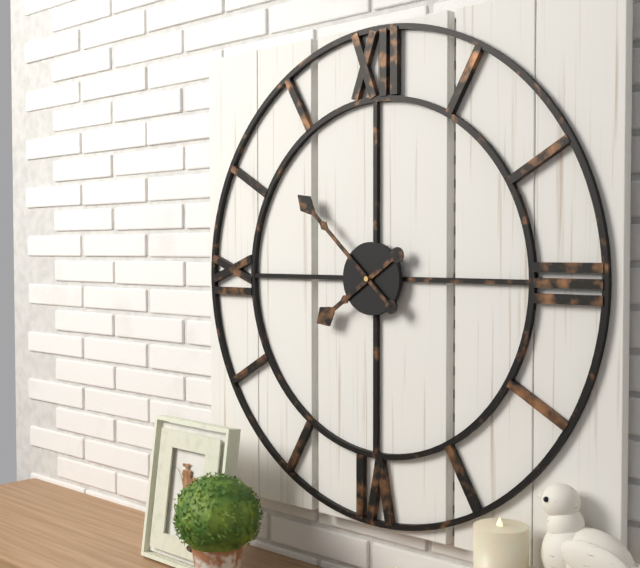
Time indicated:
7h52
